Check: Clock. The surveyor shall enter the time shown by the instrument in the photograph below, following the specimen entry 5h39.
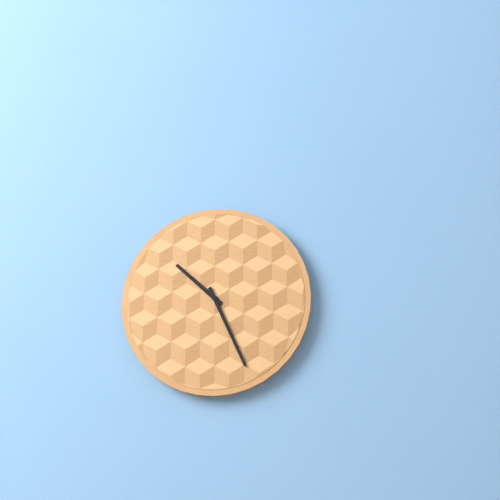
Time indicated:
10h26
